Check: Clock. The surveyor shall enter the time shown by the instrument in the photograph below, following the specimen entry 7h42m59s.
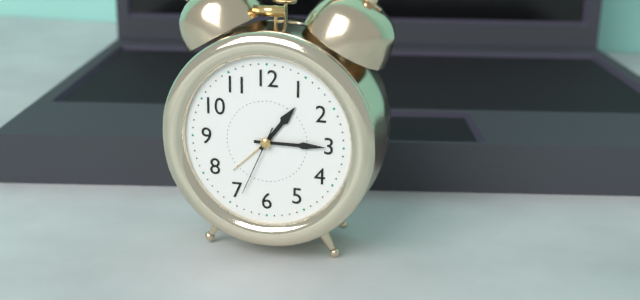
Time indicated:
1h15m34s
